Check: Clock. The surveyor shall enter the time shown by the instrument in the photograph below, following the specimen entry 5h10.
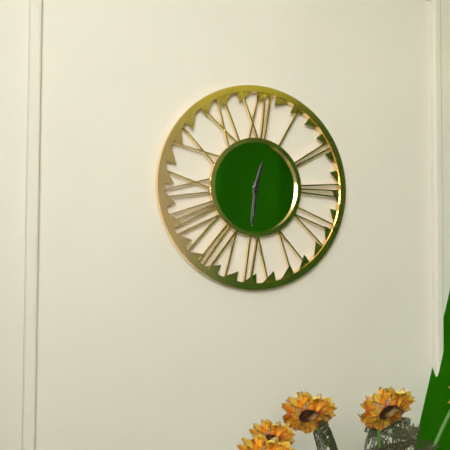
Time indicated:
12h31
